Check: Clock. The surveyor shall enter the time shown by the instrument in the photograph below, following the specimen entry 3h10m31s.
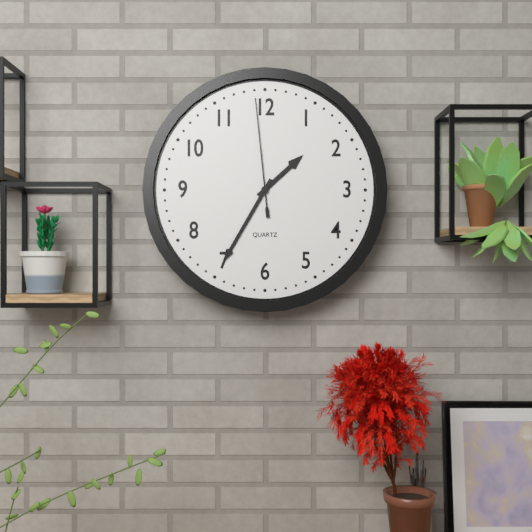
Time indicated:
1h35m59s
